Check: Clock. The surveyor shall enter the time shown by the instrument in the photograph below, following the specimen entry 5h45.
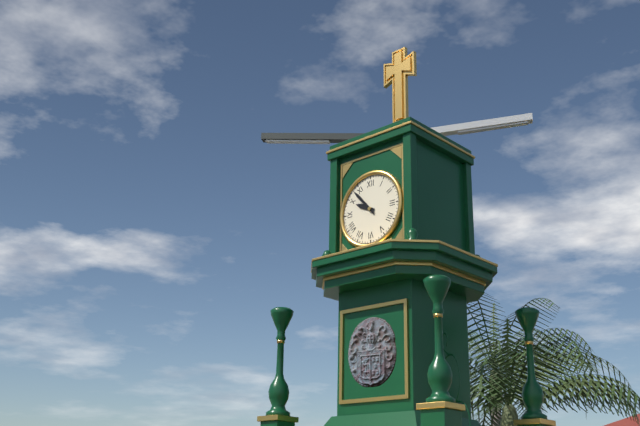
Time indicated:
9h53
